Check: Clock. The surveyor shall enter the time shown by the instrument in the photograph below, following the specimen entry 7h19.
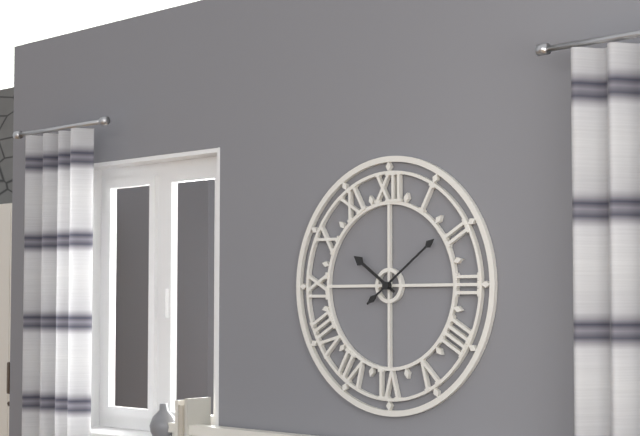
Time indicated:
10h09
